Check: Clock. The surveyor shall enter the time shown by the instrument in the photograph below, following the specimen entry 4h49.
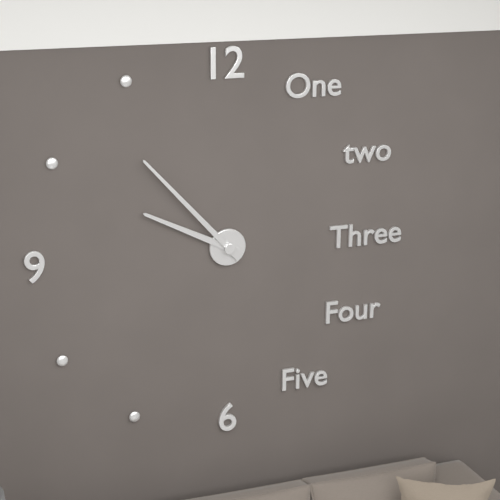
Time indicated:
9h53
